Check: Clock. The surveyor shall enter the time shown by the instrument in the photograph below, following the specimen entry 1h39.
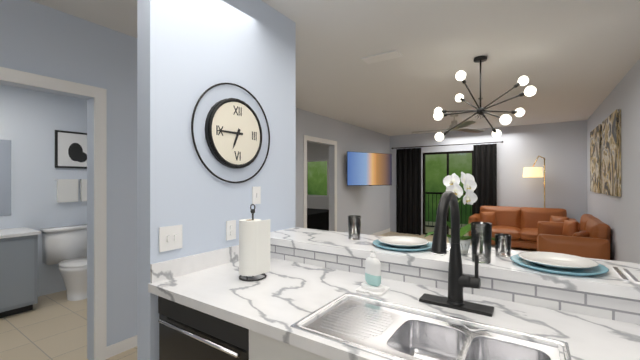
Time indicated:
6h45
